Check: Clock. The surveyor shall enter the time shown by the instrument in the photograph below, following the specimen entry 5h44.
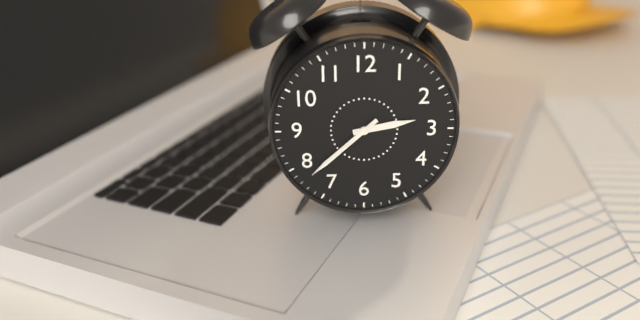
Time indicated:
2h38
